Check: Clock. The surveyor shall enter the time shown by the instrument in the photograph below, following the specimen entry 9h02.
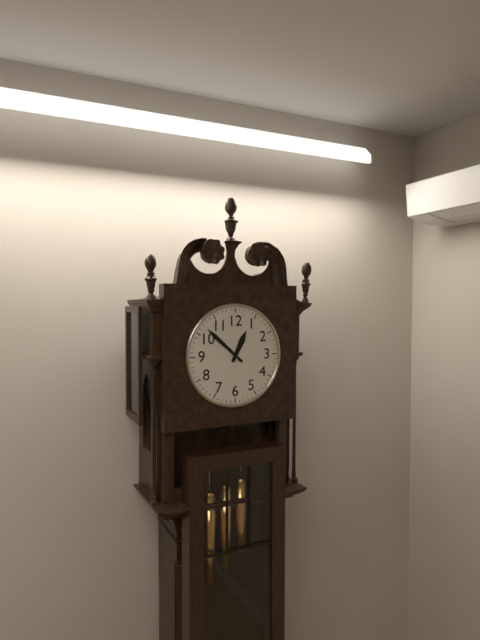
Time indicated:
12h52
